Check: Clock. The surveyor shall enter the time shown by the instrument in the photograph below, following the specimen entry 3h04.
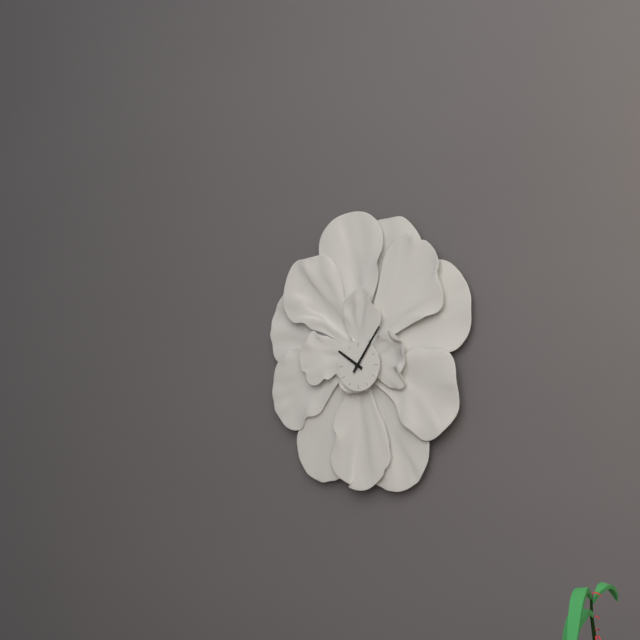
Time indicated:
10h06
